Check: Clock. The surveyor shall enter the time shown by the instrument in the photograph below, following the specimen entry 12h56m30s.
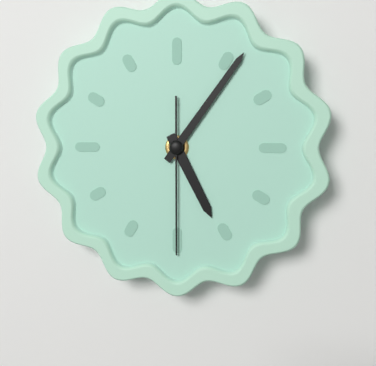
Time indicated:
5h06m30s
